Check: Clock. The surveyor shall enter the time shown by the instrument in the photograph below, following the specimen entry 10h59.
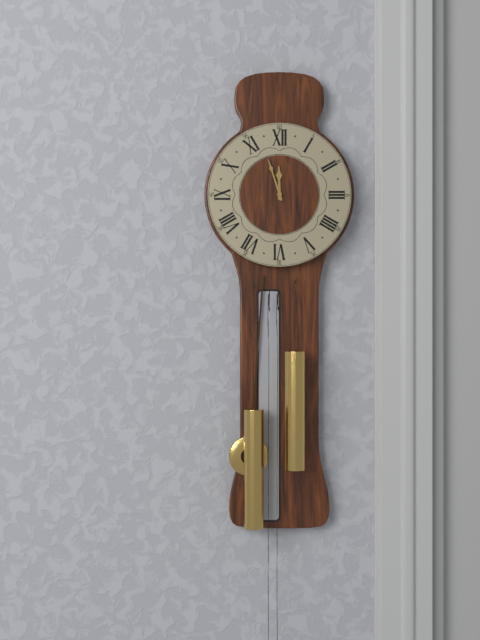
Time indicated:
11h57
